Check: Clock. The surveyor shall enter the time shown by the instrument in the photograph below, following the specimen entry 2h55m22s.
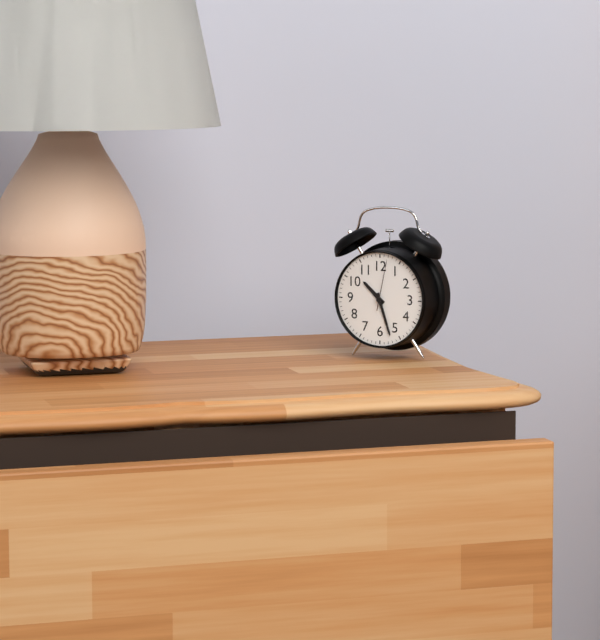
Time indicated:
10h27m02s
